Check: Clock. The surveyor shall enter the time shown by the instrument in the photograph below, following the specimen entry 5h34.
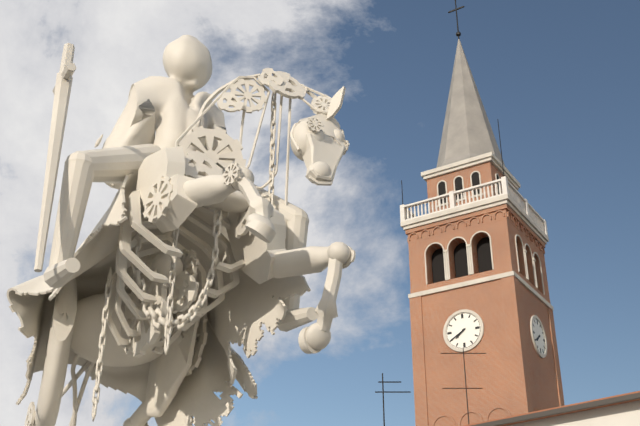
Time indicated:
7h40
